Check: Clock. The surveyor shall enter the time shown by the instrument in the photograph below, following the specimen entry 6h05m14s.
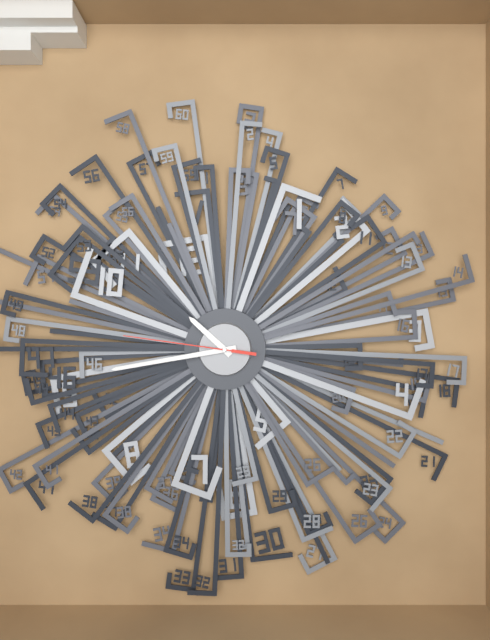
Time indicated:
10h45m48s
